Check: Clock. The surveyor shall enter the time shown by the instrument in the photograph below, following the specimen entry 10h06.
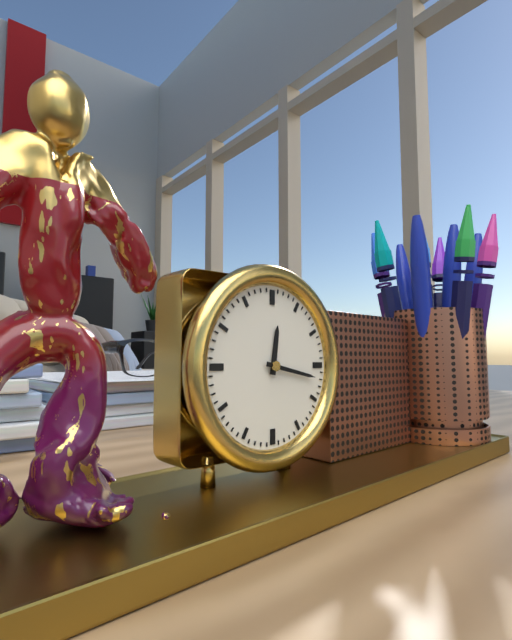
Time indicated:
12h17
